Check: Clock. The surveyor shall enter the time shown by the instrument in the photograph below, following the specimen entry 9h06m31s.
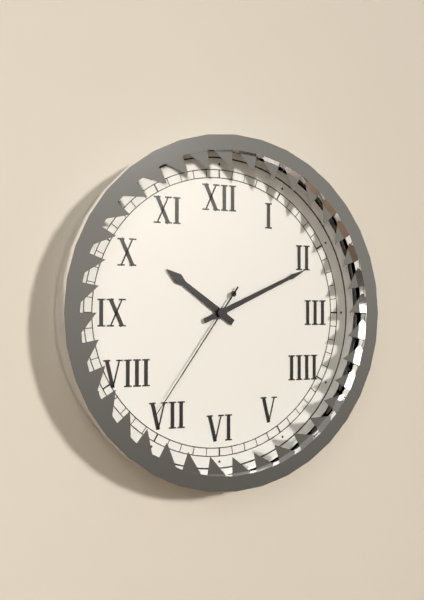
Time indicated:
10h11m36s
